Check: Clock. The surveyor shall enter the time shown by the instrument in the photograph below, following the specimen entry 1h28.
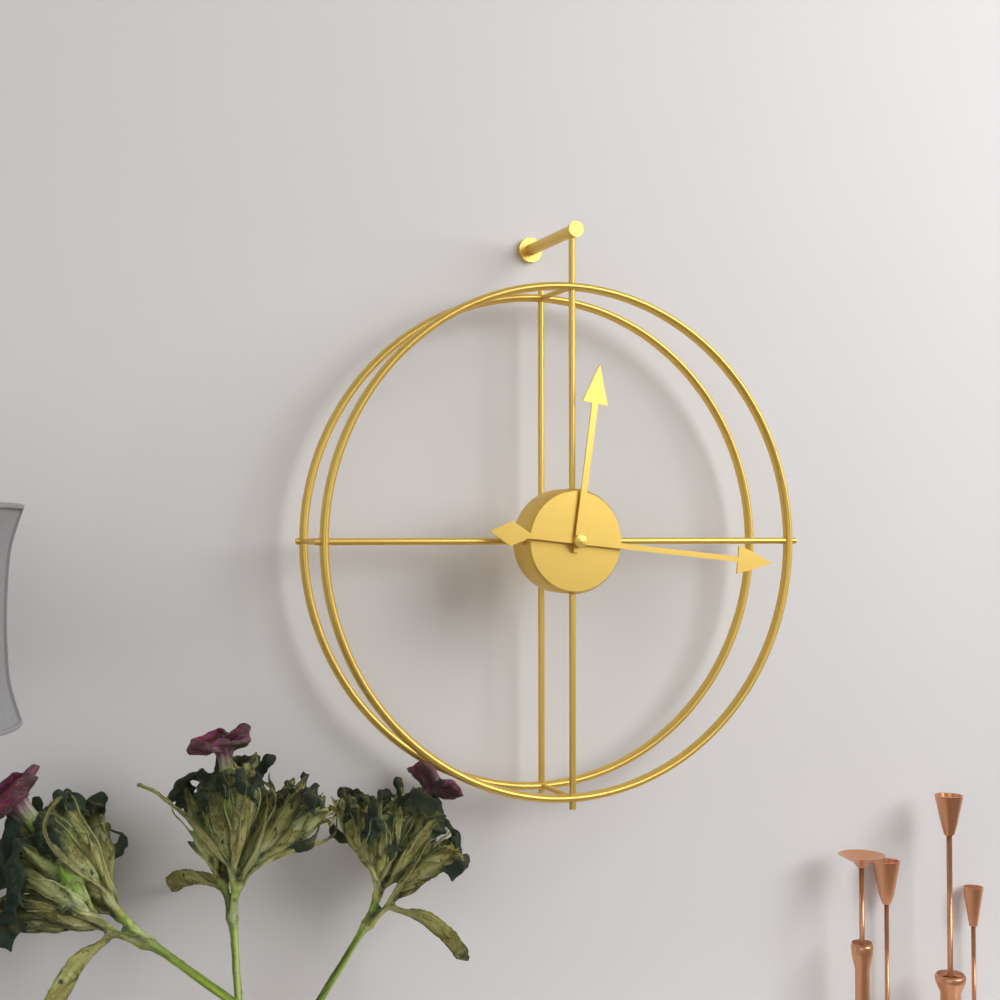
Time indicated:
12h16
